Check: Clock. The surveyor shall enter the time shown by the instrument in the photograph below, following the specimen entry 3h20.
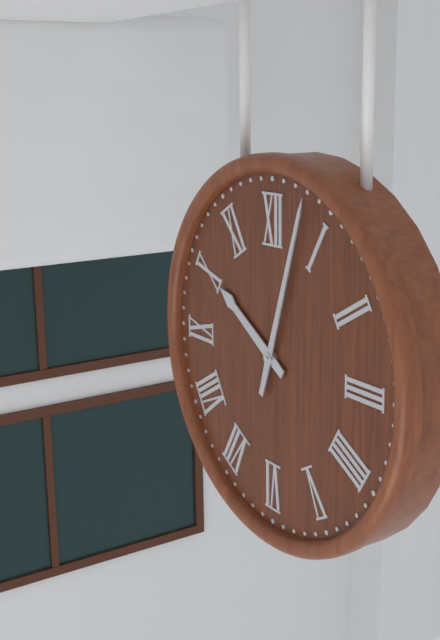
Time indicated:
10h03
